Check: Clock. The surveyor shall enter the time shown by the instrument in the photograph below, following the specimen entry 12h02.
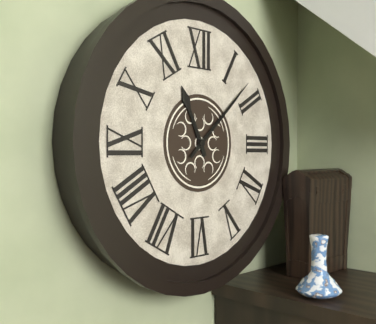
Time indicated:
11h08
